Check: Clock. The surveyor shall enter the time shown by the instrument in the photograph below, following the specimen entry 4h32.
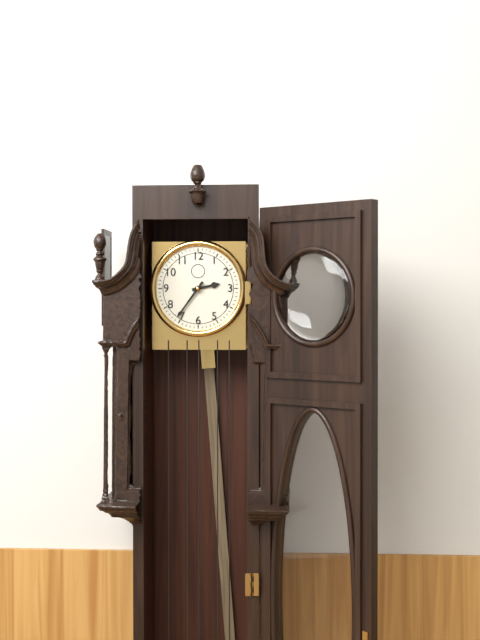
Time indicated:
2h36
